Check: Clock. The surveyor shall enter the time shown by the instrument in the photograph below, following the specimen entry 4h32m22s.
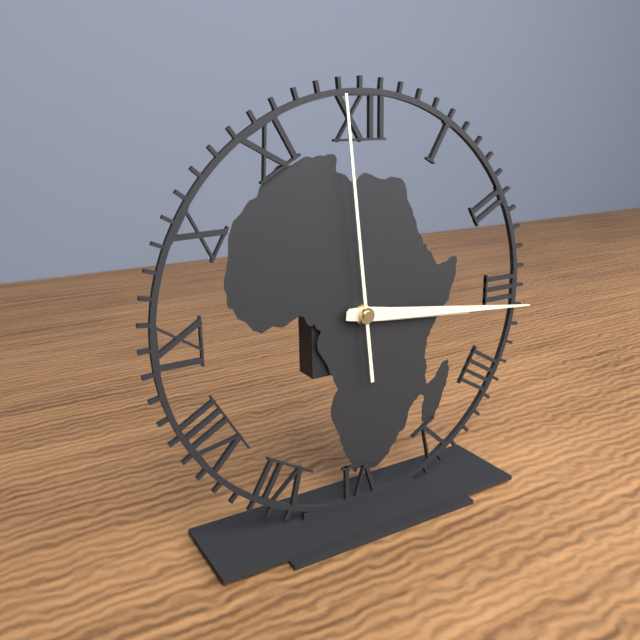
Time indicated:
3h16m59s
